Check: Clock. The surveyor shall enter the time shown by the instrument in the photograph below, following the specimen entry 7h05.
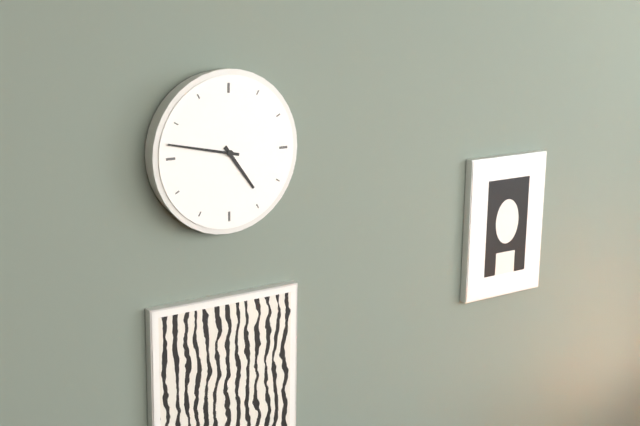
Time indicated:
4h47
